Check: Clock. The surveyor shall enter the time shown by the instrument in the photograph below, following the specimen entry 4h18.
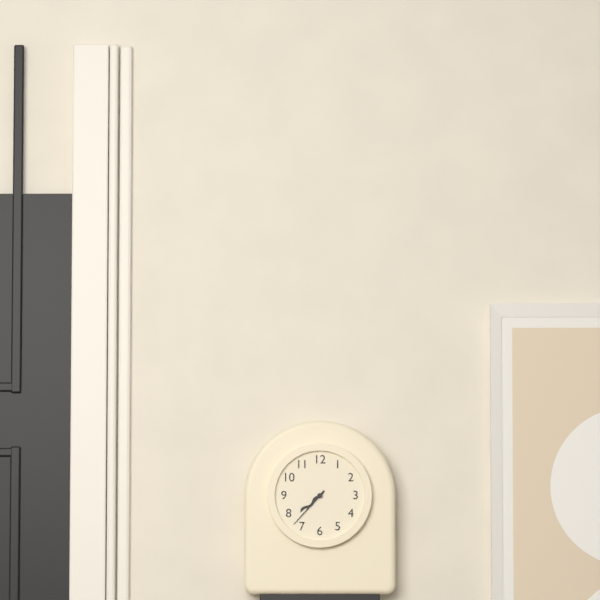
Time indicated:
7h37
